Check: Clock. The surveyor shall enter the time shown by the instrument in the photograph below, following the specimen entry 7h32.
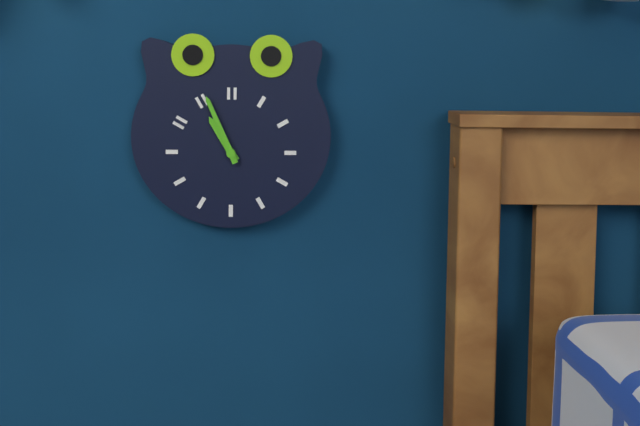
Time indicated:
10h56
